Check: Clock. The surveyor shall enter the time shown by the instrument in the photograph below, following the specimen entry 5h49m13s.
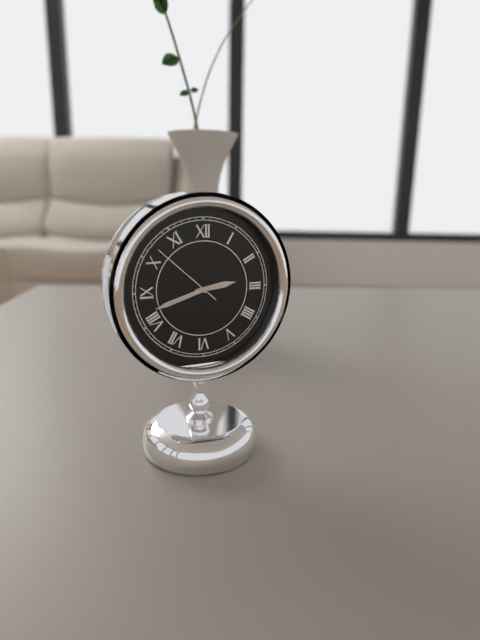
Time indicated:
2h42m52s
